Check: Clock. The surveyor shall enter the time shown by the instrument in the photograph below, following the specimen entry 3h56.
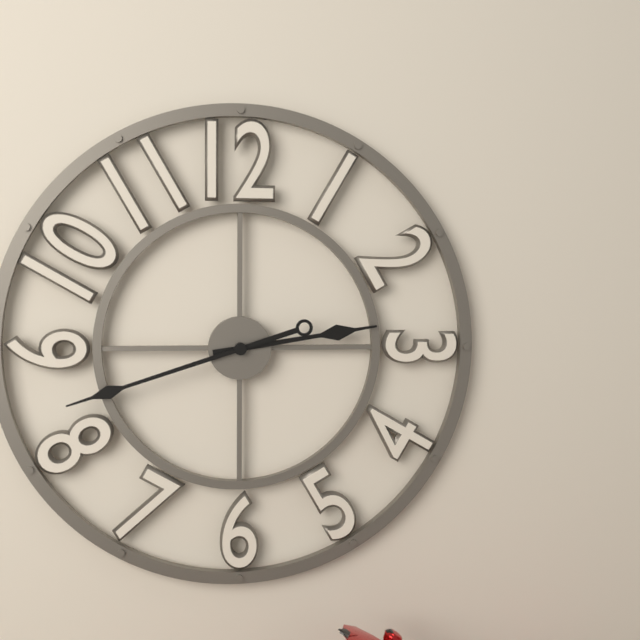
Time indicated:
2h42
